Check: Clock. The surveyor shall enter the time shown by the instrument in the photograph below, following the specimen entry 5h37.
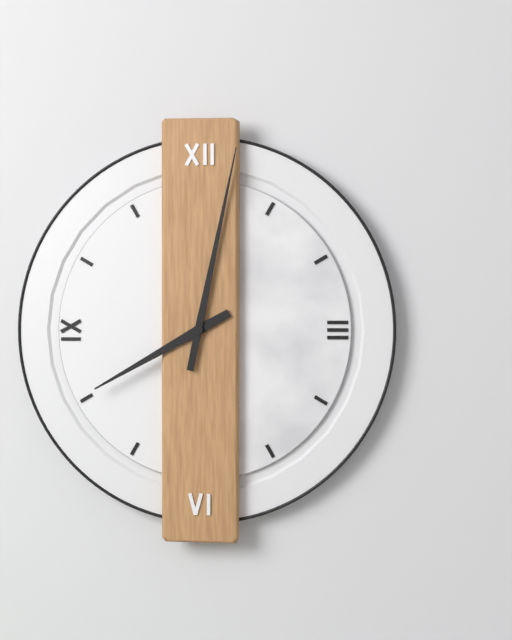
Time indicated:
8h02
